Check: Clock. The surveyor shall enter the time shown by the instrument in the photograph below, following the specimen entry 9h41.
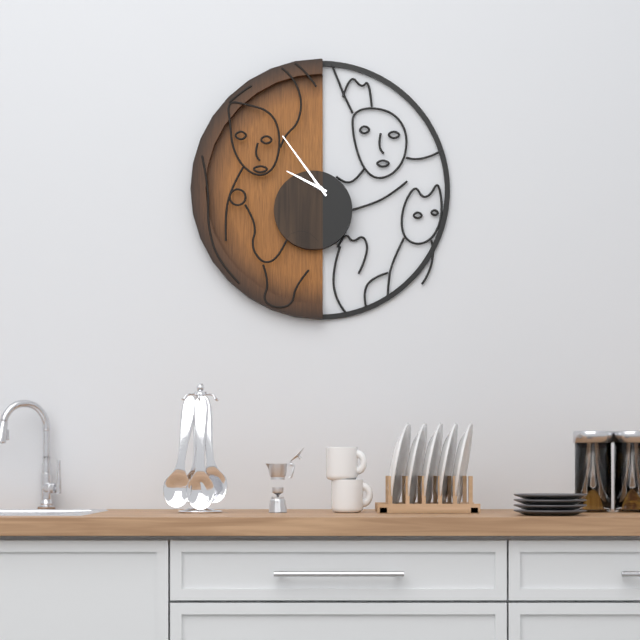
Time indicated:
9h54
